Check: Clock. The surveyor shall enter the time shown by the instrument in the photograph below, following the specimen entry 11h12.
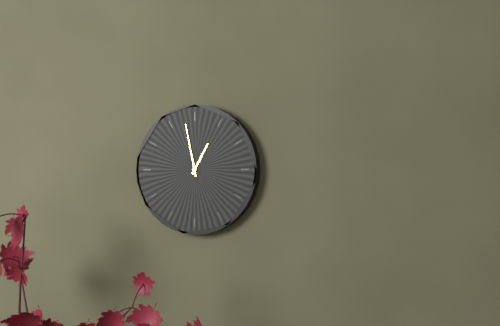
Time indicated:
12h58
